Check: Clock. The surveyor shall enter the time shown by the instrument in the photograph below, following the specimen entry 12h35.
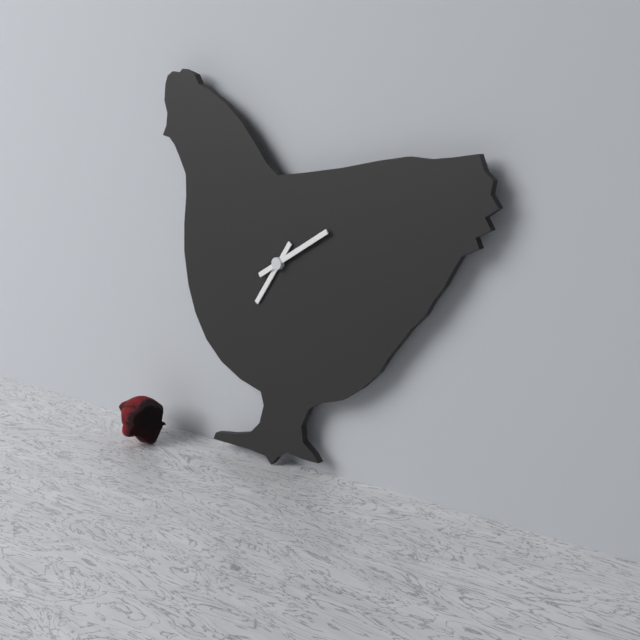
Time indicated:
7h10
